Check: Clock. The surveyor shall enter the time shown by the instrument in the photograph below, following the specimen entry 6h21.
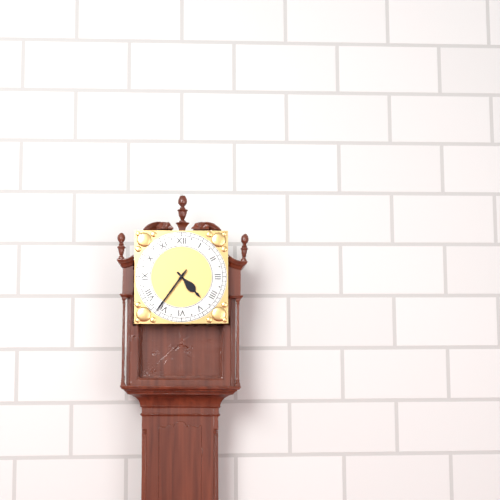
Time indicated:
4h36
